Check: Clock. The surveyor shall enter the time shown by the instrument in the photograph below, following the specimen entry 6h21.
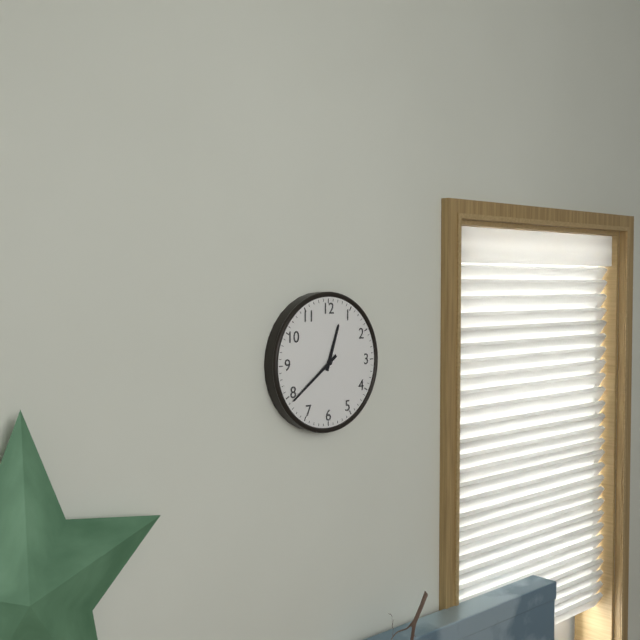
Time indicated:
12h39
